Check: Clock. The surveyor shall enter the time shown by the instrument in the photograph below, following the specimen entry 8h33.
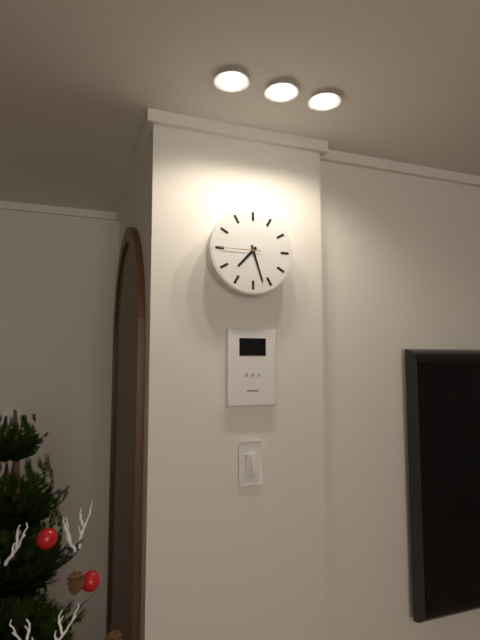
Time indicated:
7h27
